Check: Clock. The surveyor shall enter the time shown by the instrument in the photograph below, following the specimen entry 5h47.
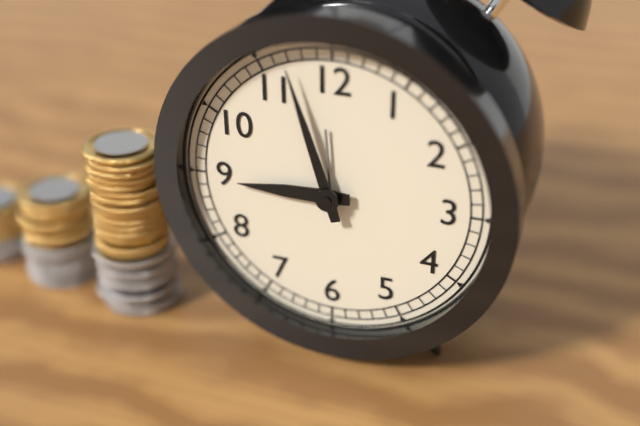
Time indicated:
8h57
